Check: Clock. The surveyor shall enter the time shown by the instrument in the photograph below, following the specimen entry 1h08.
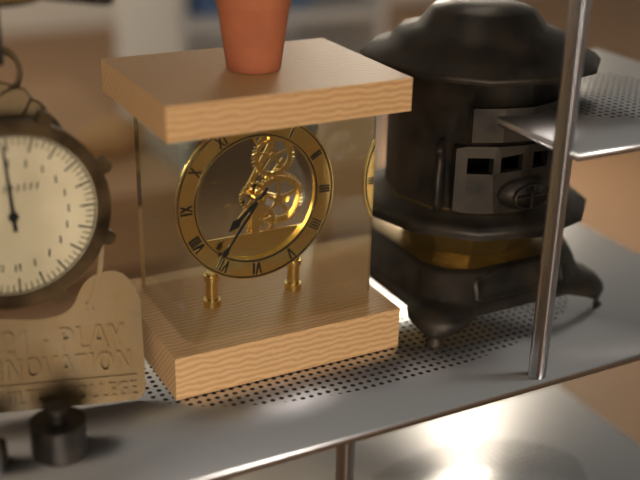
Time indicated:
7h36
